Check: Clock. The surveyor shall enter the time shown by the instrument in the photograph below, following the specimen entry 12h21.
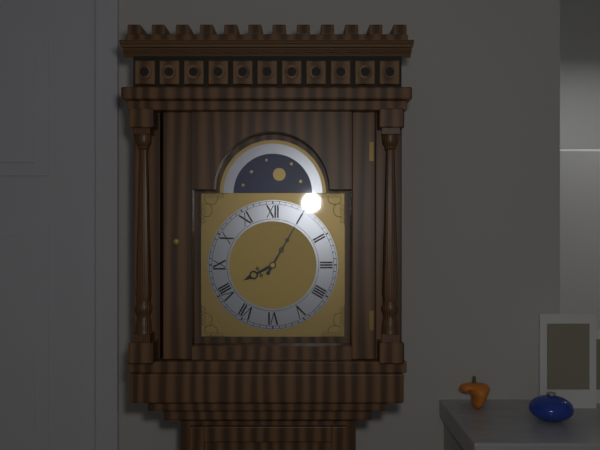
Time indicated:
8h05
